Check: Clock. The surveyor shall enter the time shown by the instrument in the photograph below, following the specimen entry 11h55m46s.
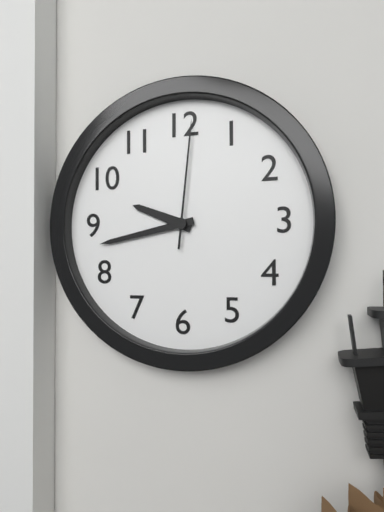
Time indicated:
9h43m01s
